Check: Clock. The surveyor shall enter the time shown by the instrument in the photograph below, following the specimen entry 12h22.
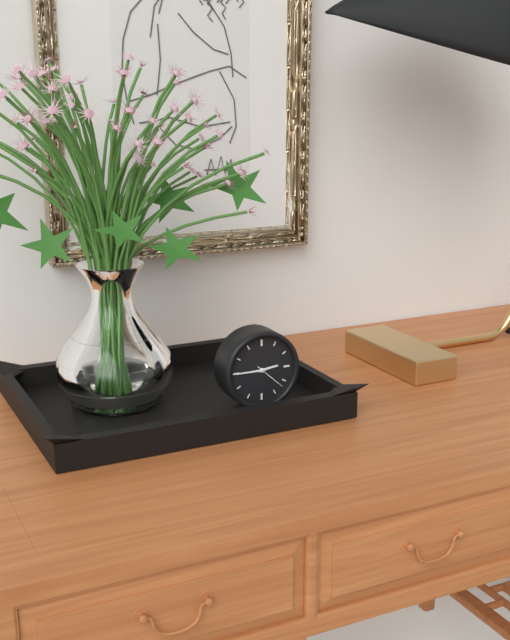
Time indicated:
2h45
